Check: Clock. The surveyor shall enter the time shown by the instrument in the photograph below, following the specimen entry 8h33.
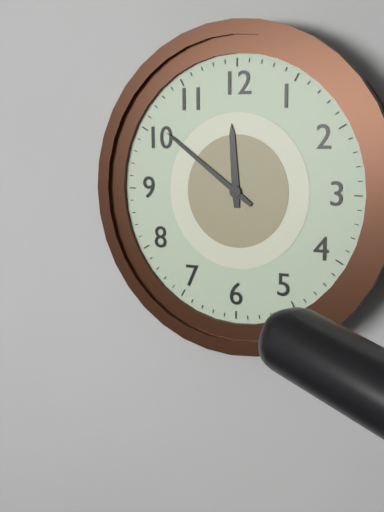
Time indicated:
11h51
